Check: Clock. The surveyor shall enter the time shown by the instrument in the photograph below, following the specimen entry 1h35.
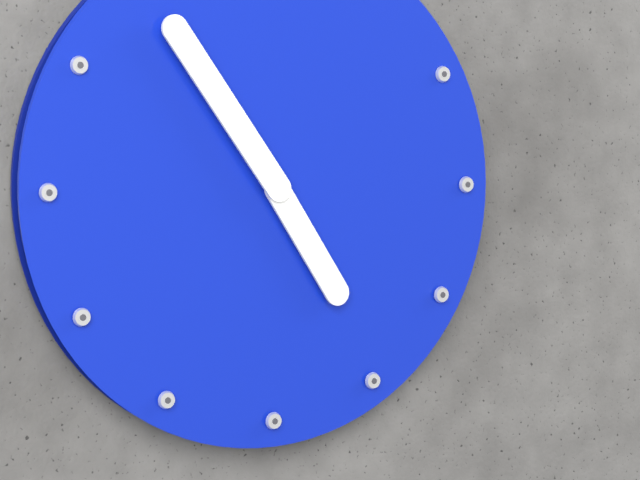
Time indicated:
4h54
